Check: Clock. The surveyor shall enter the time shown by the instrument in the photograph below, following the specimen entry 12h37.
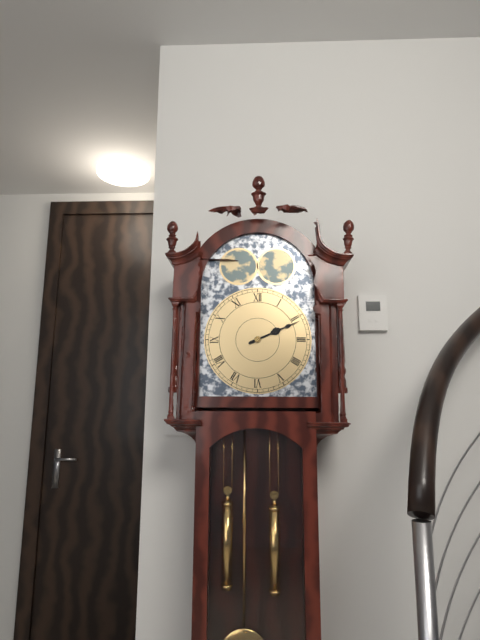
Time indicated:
2h11
